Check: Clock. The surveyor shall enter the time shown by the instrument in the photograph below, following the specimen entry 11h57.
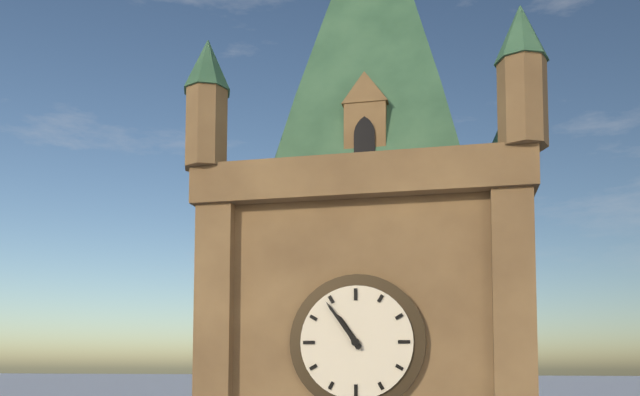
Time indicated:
10h54
